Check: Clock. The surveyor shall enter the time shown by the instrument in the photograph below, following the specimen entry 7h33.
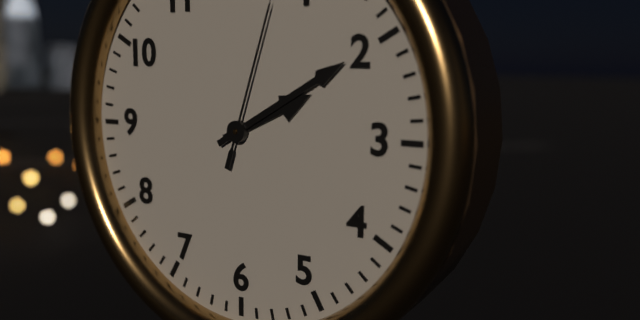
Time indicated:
2h10
